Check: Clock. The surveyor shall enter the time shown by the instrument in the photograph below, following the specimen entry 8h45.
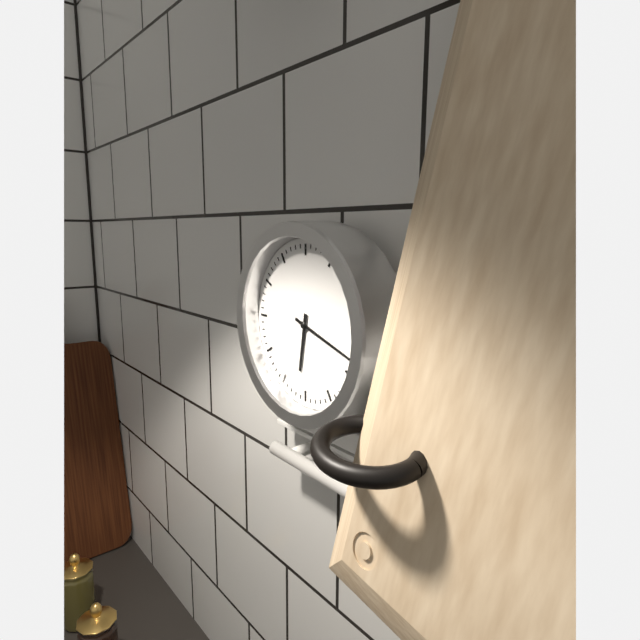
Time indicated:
6h18
